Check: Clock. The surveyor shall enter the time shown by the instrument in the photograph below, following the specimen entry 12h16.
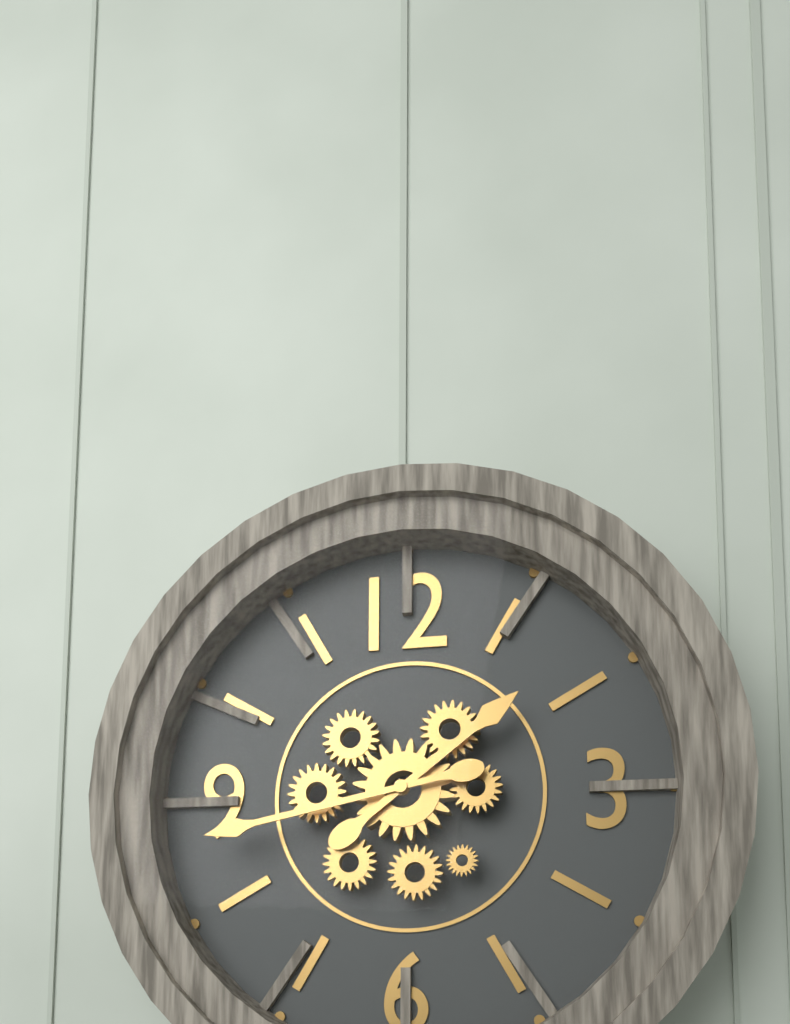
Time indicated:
1h43
